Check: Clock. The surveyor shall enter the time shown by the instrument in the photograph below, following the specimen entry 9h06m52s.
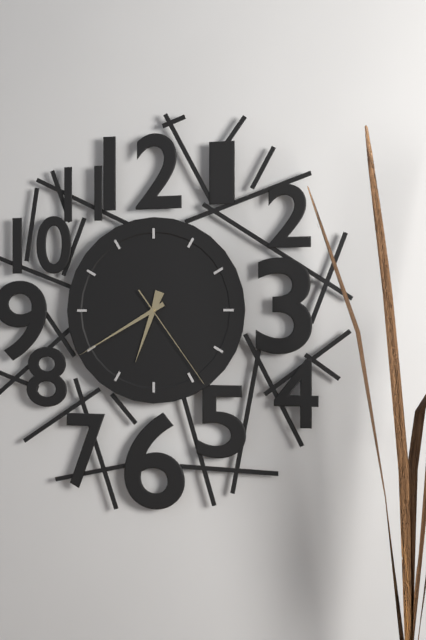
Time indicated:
6h40m24s
